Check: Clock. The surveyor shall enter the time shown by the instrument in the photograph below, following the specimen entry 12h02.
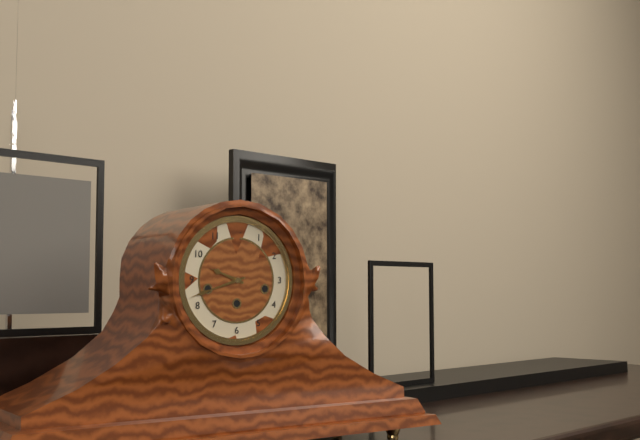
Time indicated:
9h42
